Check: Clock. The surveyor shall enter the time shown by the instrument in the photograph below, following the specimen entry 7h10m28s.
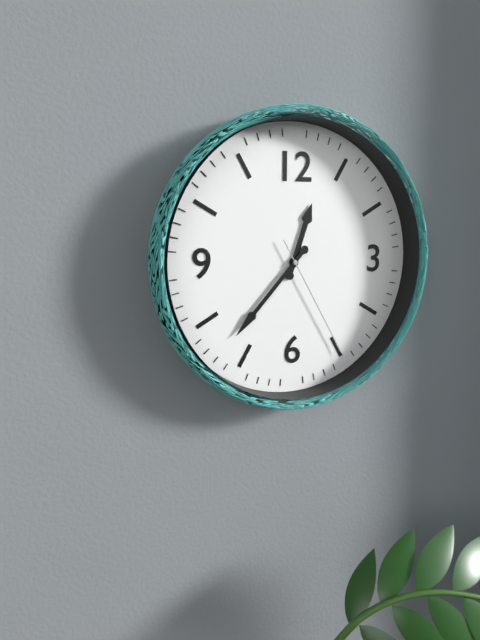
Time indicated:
12h37m25s
